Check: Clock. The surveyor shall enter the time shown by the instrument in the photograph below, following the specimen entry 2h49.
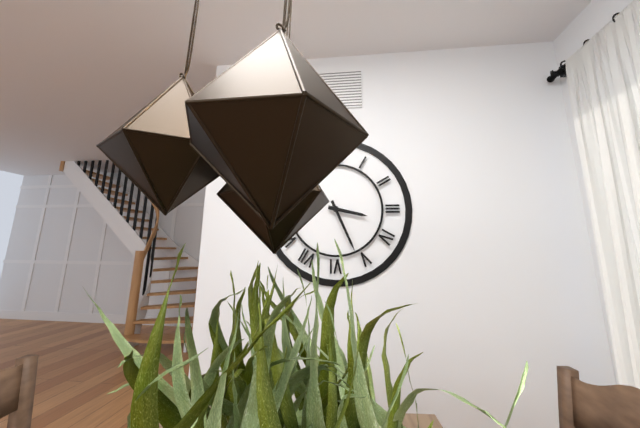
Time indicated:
3h26
